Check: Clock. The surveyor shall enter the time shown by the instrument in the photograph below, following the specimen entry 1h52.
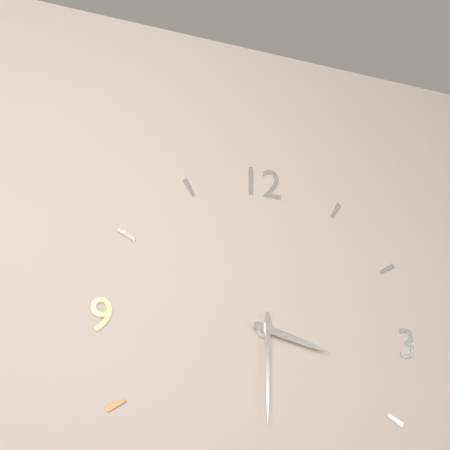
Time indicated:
3h30
